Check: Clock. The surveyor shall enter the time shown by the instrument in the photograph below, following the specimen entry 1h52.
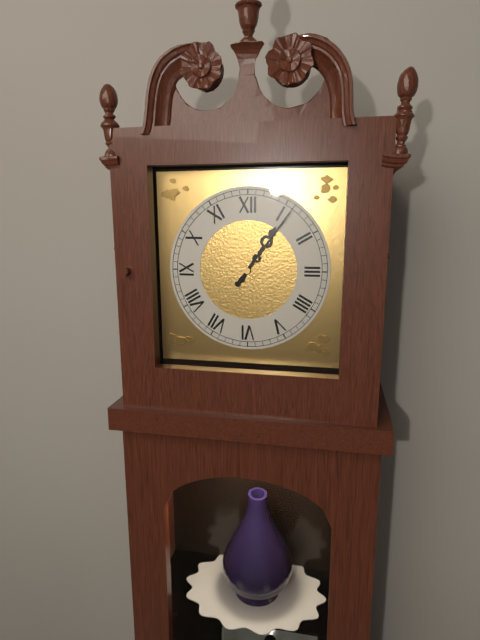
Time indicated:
1h06
